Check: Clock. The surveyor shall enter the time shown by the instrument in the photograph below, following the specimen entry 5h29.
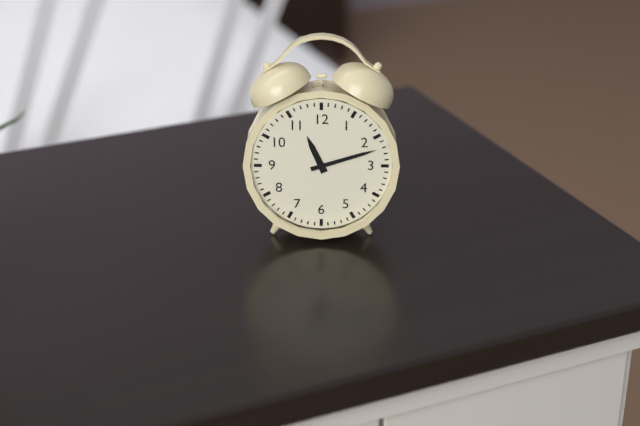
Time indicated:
11h12
